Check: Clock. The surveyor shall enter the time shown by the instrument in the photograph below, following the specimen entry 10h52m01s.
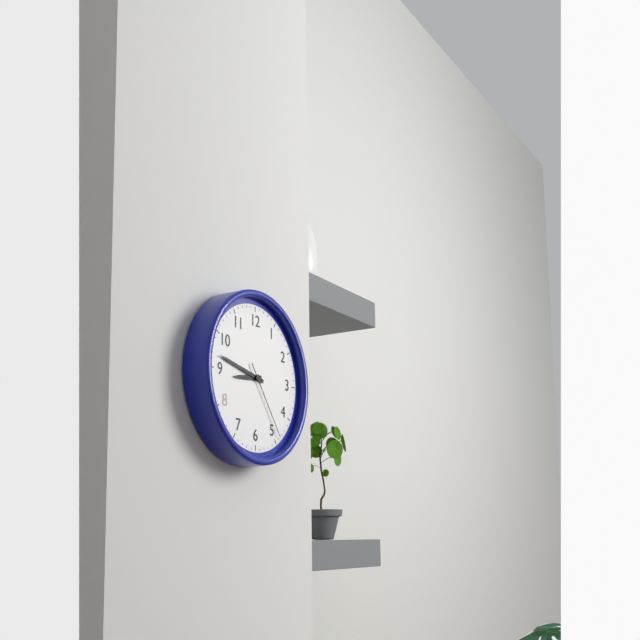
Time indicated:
8h47m24s
